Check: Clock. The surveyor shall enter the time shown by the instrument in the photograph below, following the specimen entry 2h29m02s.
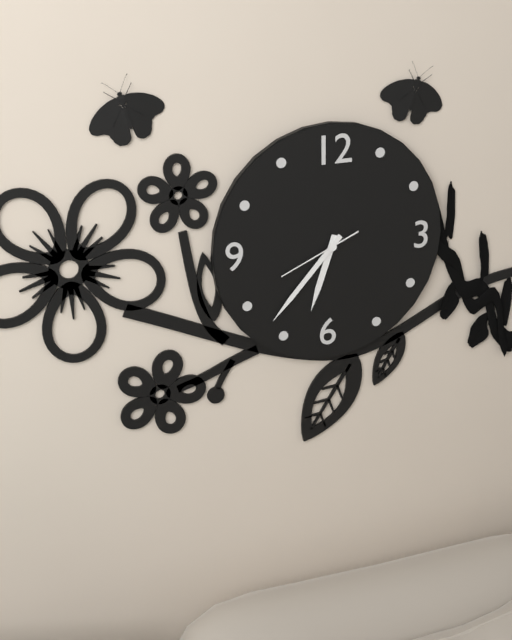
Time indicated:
6h37m41s
